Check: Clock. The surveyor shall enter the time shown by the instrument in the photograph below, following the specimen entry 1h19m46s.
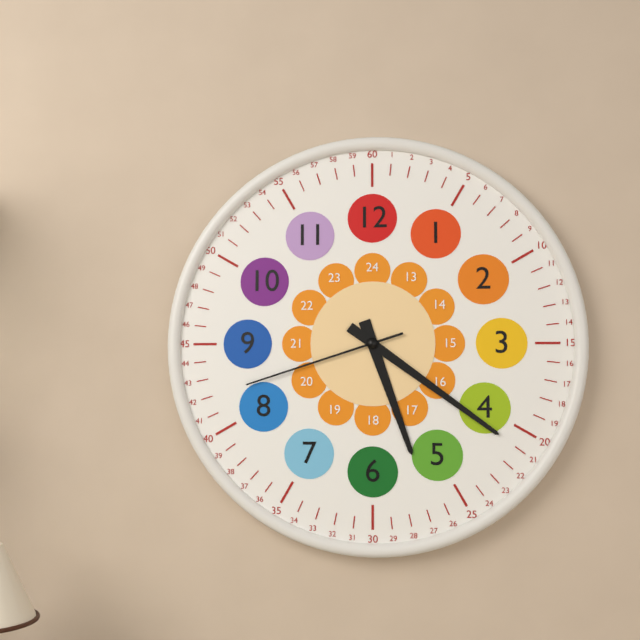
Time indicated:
5h21m42s
